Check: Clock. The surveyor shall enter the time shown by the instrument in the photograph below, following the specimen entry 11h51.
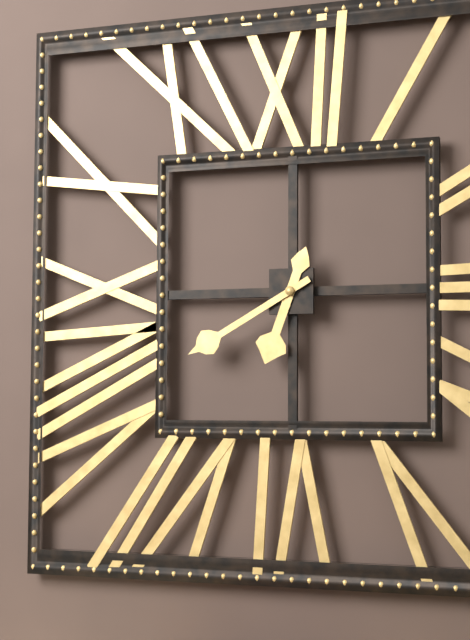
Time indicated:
6h40
